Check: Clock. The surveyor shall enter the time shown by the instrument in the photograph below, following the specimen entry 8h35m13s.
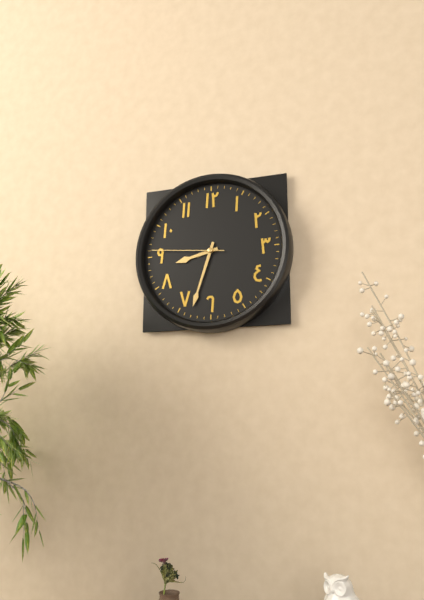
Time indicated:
8h33m46s
